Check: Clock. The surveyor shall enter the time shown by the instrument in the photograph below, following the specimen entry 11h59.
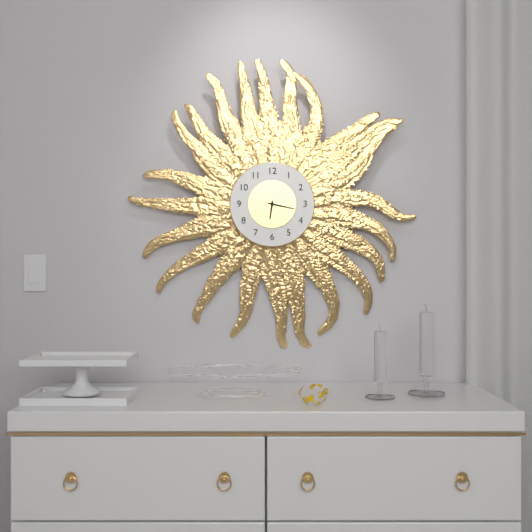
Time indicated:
6h17
